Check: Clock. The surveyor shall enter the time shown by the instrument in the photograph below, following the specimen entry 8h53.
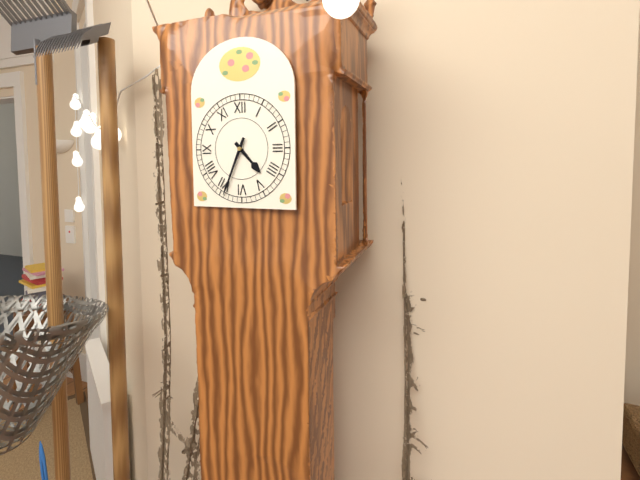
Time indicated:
4h34
